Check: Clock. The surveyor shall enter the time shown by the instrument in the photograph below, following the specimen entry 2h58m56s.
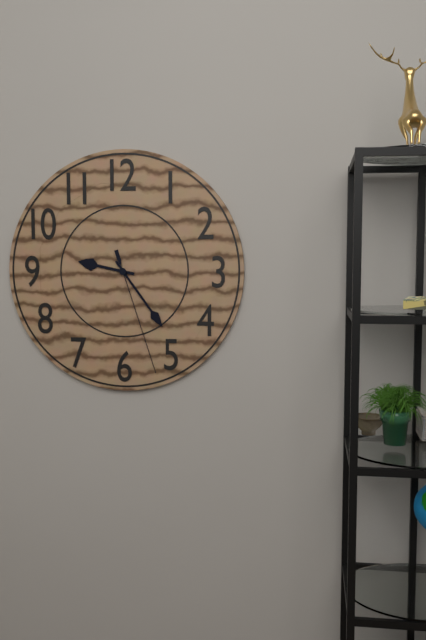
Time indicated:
9h24m27s
